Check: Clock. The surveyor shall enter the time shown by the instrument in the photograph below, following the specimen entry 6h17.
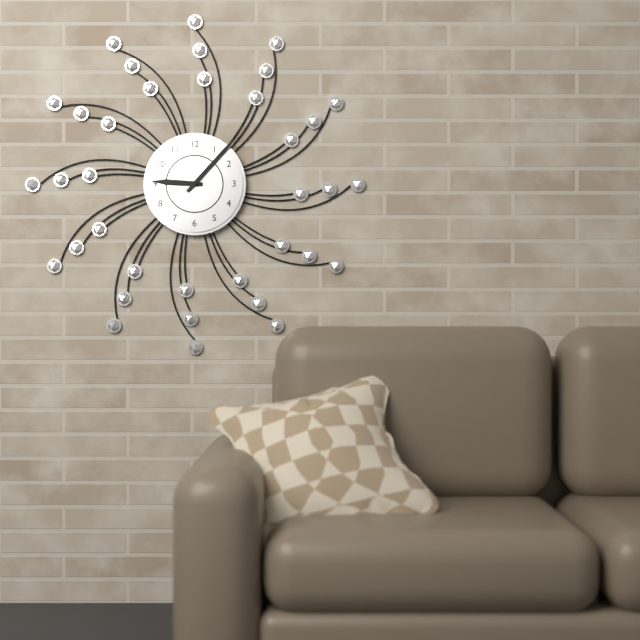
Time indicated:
9h07
